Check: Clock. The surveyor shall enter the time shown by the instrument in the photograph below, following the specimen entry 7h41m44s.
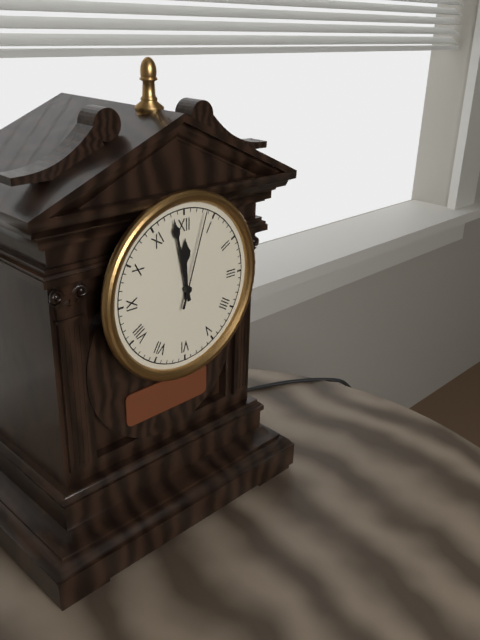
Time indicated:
11h58m03s
